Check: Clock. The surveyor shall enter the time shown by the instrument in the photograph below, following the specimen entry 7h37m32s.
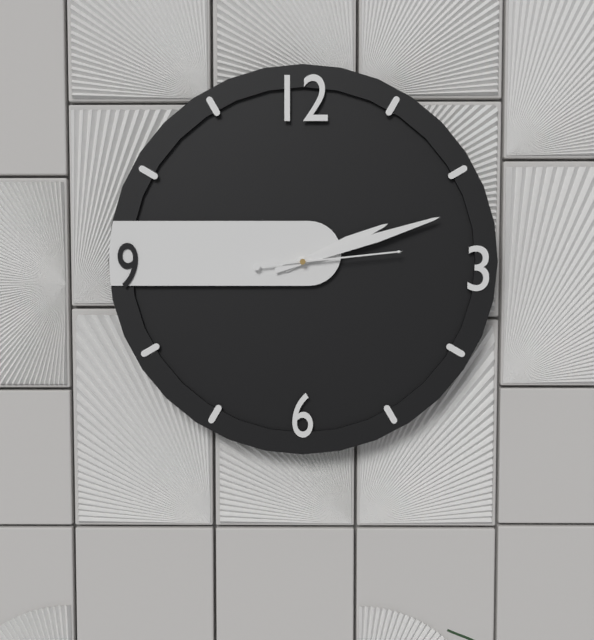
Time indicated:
2h12m14s
